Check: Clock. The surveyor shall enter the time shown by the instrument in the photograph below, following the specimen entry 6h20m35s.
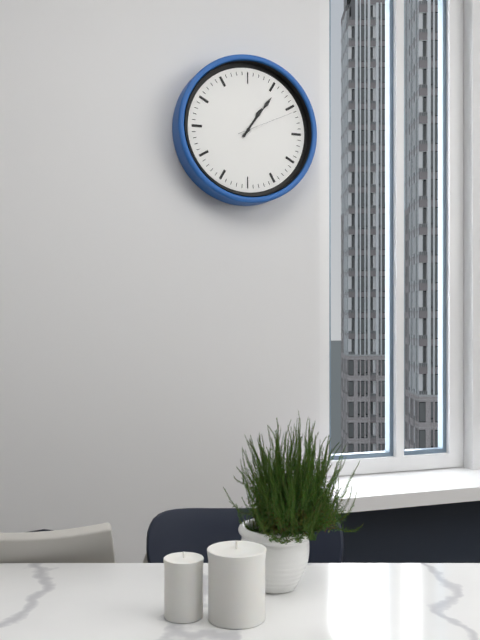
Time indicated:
1h06m11s
